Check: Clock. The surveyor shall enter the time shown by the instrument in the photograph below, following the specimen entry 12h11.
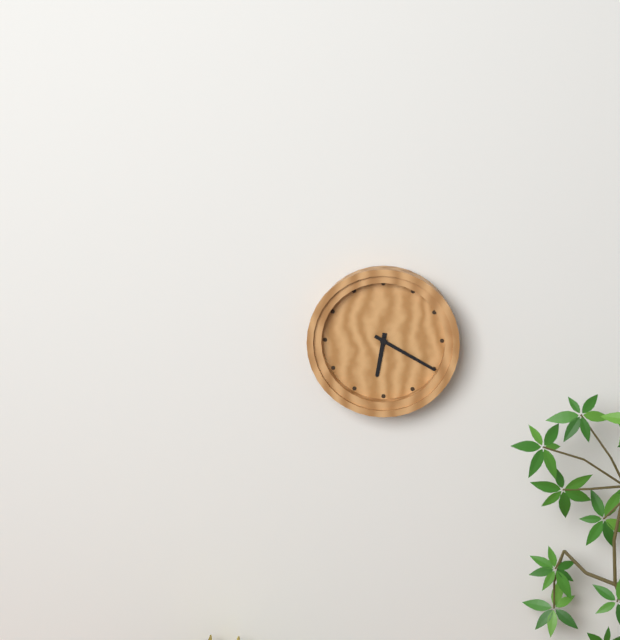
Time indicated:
6h20
